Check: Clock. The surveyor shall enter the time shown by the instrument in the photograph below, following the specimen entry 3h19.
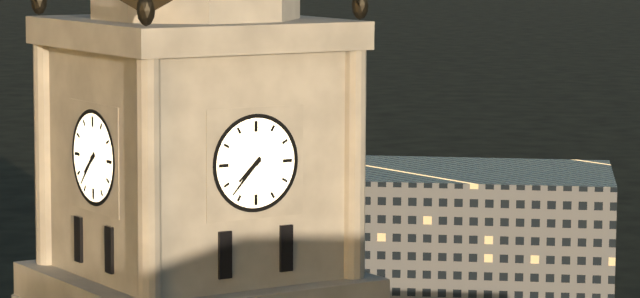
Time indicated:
7h37
